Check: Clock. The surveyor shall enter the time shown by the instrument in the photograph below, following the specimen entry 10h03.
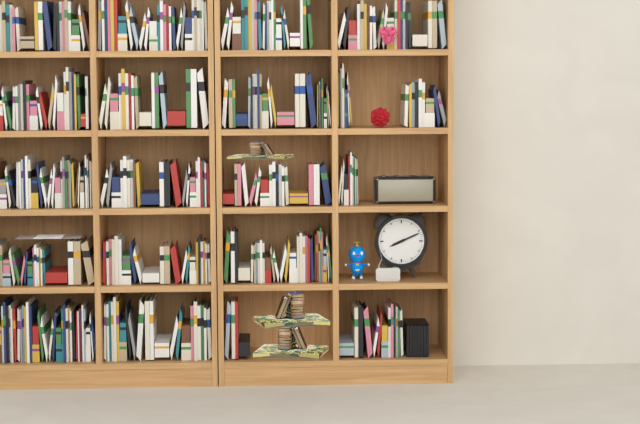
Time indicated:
8h11
